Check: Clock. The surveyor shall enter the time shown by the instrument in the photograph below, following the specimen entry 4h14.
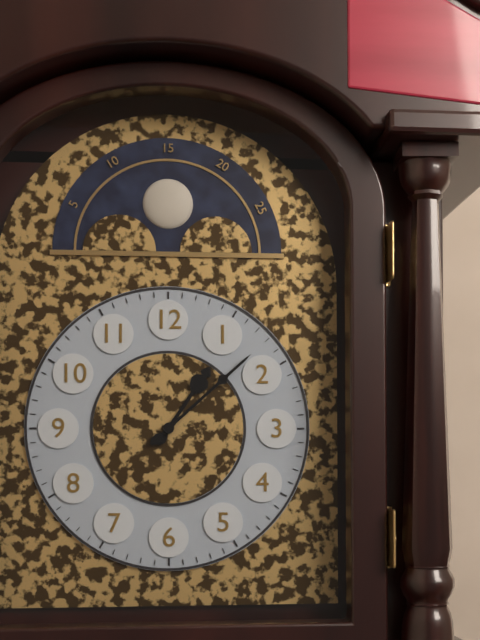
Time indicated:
1h08
